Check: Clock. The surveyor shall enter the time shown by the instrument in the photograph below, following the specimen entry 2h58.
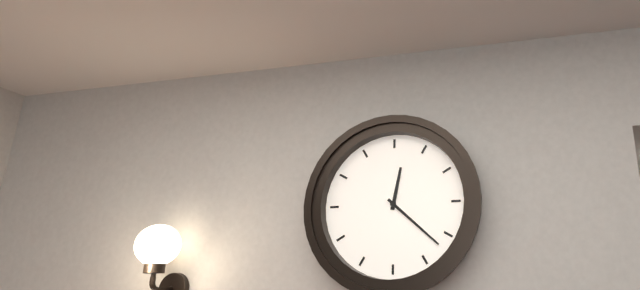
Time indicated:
12h22
